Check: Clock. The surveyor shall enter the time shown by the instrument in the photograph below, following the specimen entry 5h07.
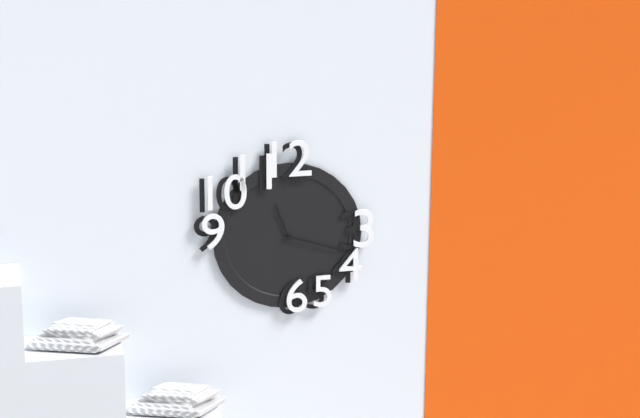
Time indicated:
11h18
